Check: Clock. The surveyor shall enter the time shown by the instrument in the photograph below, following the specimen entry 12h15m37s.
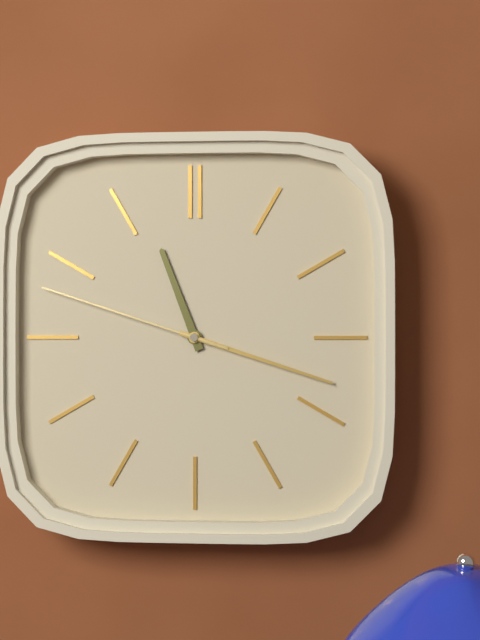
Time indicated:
11h18m48s
